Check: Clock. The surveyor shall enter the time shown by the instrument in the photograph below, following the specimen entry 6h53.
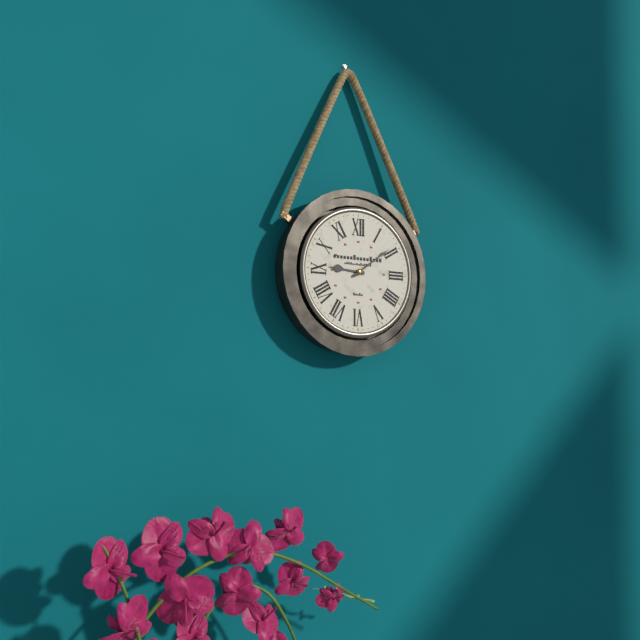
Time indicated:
9h09
